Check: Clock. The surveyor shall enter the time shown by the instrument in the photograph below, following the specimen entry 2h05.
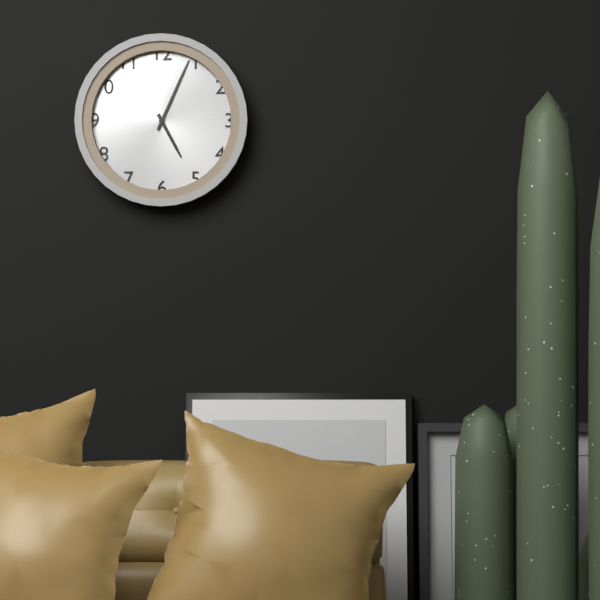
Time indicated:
5h04
